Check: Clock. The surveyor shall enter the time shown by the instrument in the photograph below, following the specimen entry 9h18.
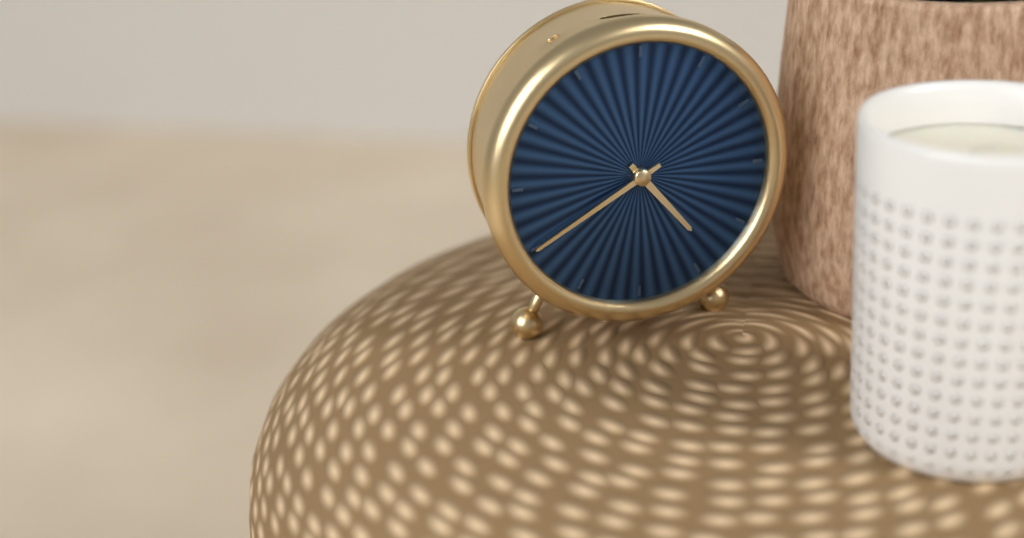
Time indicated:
4h40
